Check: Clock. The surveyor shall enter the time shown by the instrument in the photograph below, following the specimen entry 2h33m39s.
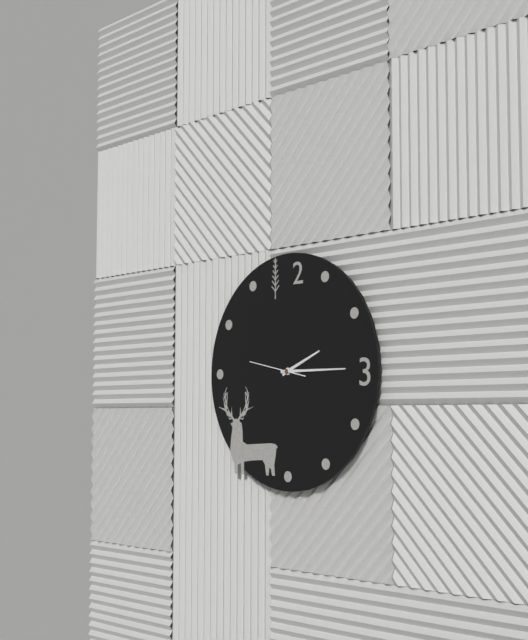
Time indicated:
2h15m47s
